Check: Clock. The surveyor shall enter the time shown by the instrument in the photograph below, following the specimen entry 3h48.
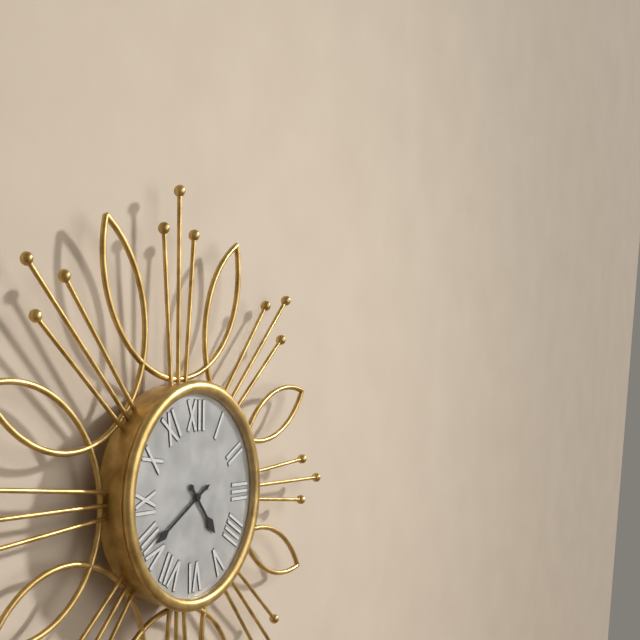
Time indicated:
4h40
